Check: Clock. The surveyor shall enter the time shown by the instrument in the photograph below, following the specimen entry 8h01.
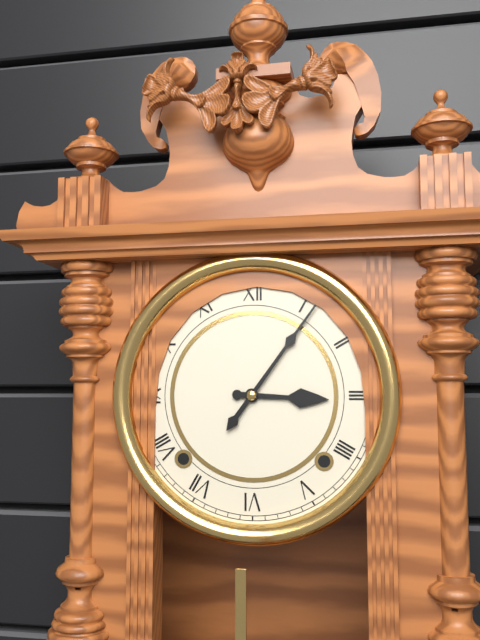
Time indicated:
3h06
